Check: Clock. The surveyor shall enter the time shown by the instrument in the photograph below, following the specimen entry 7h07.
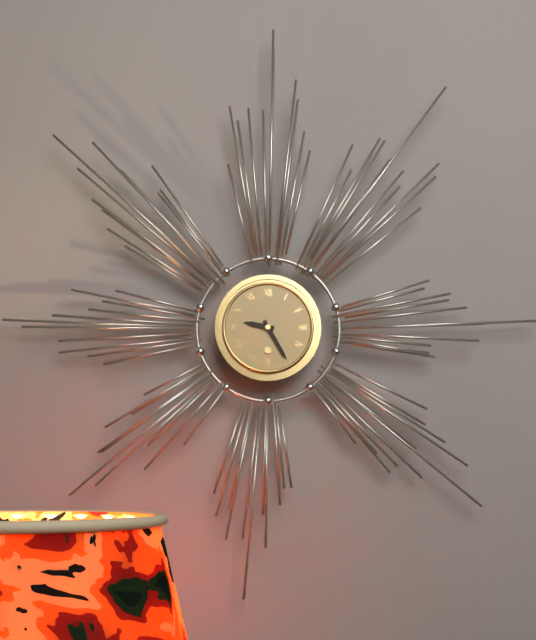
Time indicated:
9h25
